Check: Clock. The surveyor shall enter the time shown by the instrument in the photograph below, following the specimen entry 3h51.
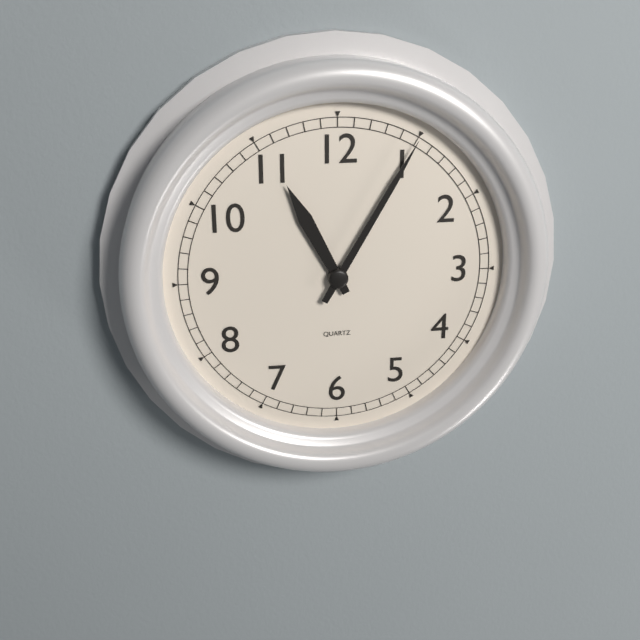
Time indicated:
11h05
